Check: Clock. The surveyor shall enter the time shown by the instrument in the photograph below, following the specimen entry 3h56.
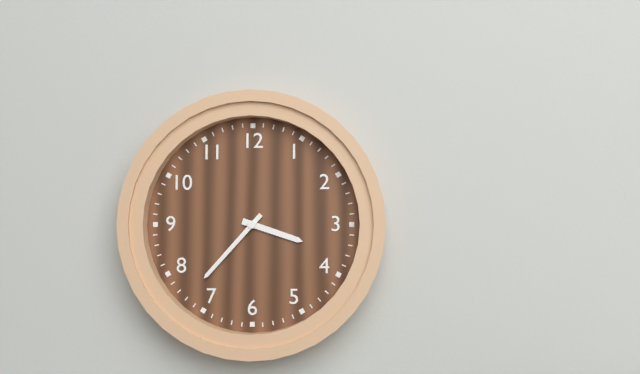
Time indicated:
3h37
